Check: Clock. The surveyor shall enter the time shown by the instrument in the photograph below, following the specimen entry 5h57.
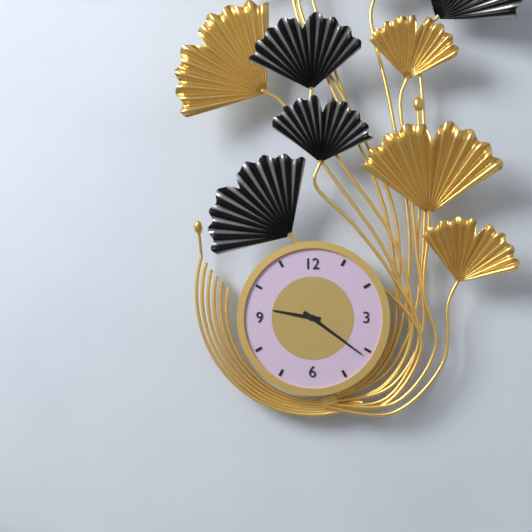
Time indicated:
9h21
